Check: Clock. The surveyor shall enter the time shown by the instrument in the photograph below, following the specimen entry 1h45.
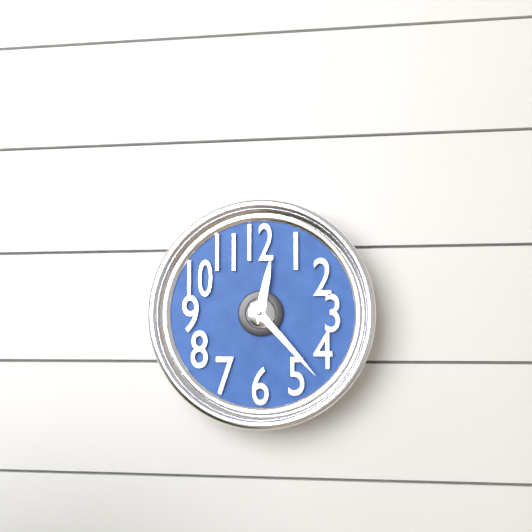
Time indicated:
12h23
